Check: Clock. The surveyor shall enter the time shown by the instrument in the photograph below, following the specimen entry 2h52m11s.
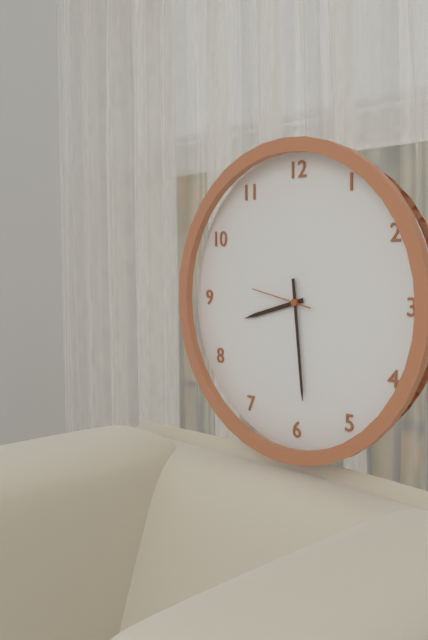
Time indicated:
8h29m47s
